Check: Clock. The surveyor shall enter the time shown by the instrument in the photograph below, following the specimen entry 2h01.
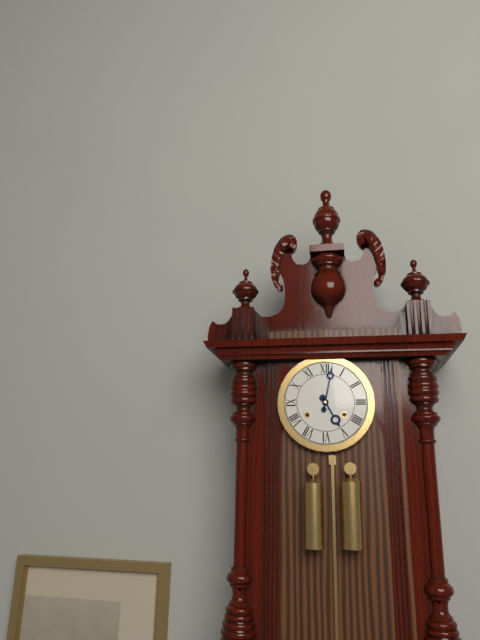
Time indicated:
5h02
